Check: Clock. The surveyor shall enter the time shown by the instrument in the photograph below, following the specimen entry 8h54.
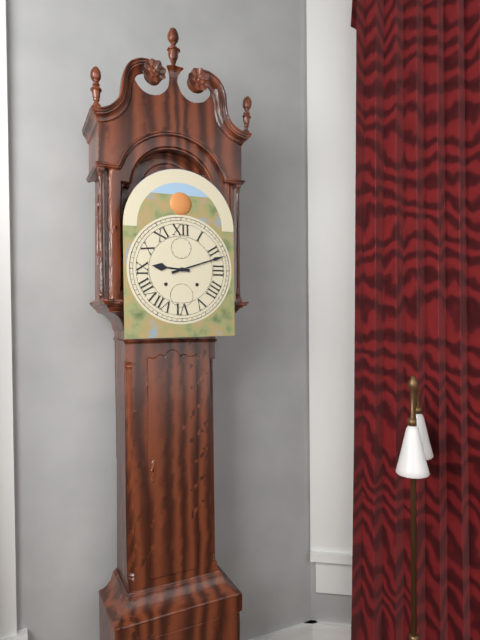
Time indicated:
9h12
